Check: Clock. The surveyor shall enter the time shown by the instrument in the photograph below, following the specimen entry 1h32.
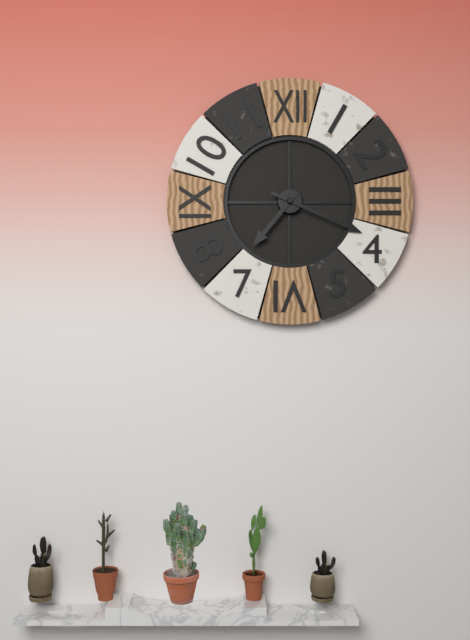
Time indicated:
7h19
